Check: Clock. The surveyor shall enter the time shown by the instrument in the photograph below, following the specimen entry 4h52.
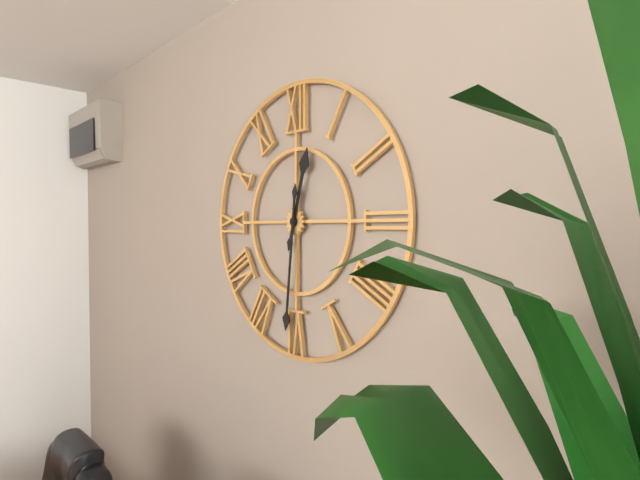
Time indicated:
12h31
